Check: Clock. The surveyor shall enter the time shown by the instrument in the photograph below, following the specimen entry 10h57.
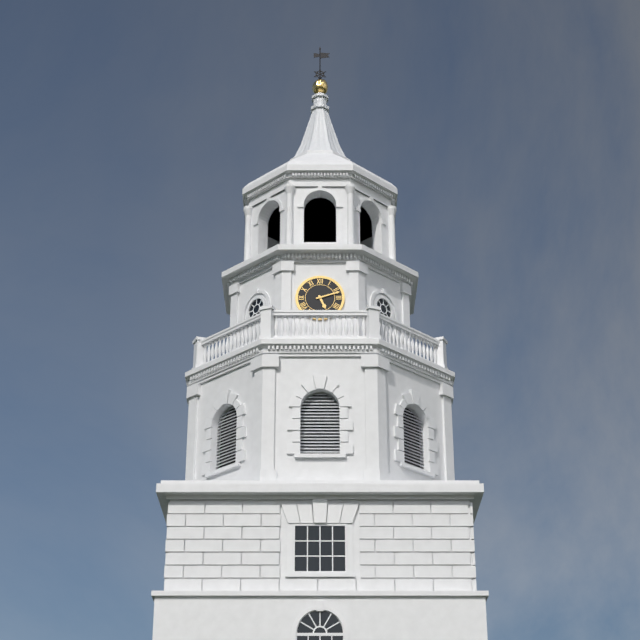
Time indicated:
5h12
